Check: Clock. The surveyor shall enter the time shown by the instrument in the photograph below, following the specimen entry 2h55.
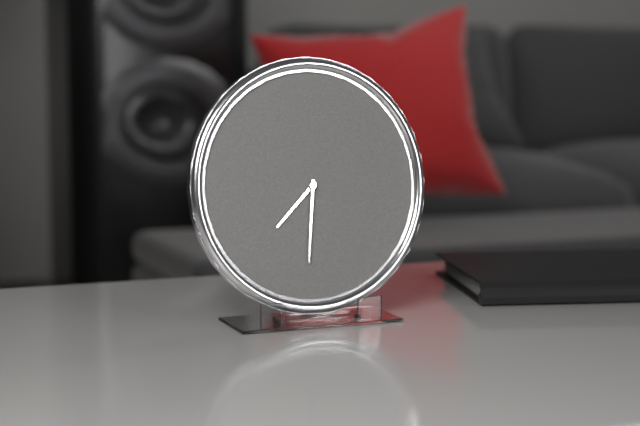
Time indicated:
7h31
